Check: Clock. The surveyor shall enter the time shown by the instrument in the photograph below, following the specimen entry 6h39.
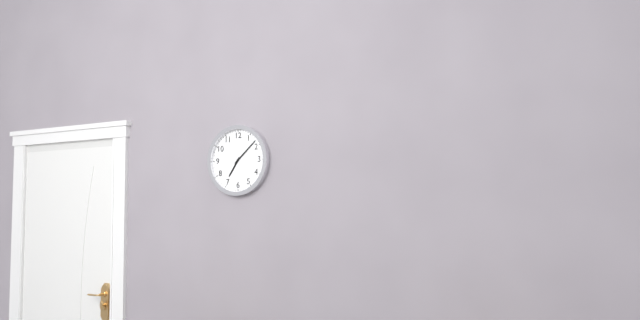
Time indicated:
7h08
